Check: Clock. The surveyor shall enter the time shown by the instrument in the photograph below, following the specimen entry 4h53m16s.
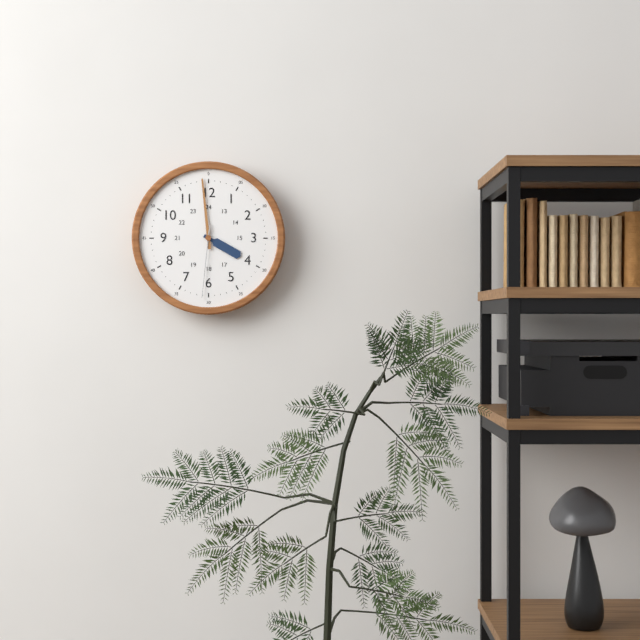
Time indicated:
3h59m31s
